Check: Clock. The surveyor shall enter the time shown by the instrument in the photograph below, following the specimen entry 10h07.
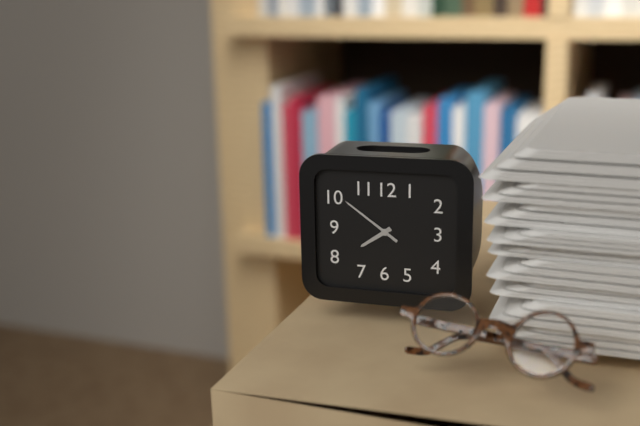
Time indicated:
7h51
